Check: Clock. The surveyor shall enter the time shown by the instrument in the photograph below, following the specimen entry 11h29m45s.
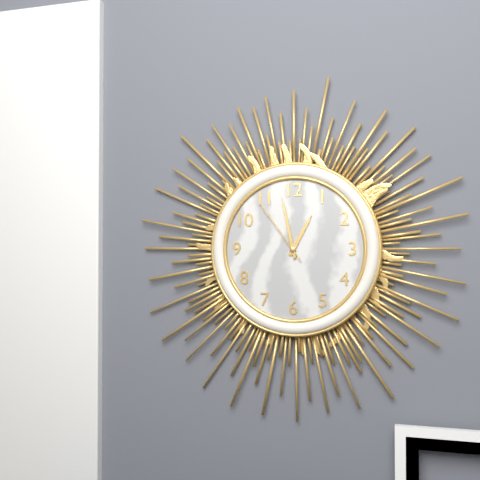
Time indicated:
12h58m54s
